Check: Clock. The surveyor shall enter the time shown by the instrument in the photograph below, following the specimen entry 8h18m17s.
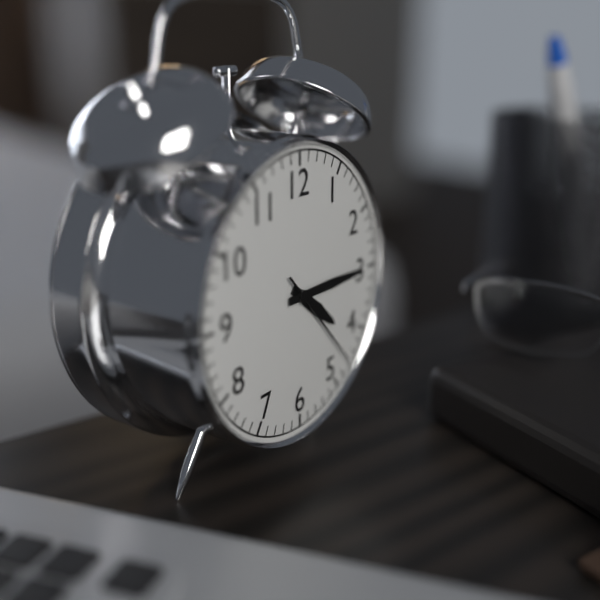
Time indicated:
4h15m23s
